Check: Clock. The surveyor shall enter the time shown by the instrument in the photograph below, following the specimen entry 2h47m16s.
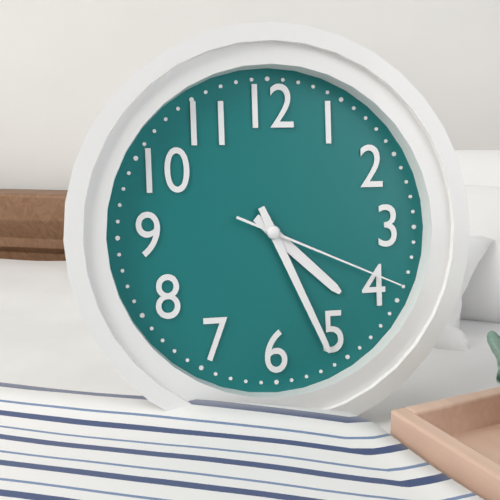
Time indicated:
4h26m19s
